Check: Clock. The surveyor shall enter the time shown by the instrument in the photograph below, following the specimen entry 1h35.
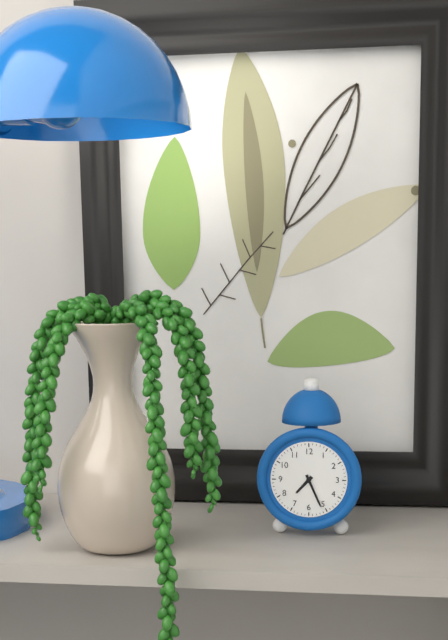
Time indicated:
7h26
